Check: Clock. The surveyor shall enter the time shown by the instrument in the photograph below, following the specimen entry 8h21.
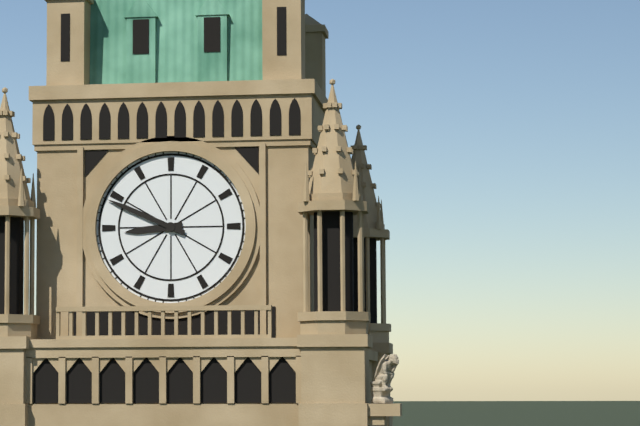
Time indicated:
8h49
